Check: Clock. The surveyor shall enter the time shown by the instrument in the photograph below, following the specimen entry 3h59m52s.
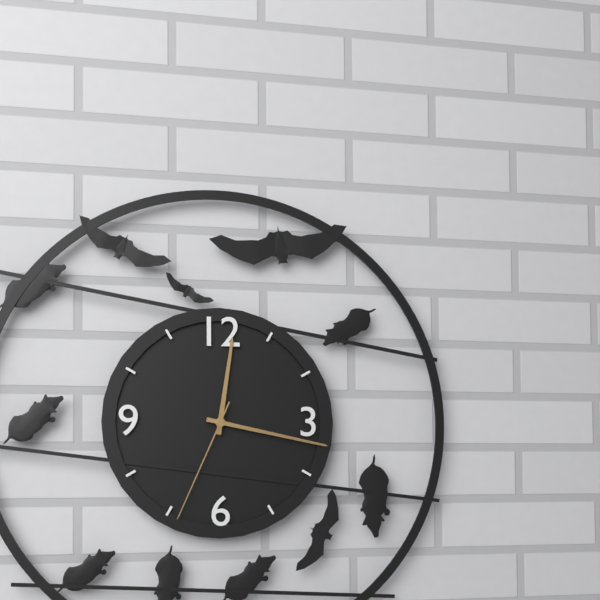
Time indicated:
12h17m34s
